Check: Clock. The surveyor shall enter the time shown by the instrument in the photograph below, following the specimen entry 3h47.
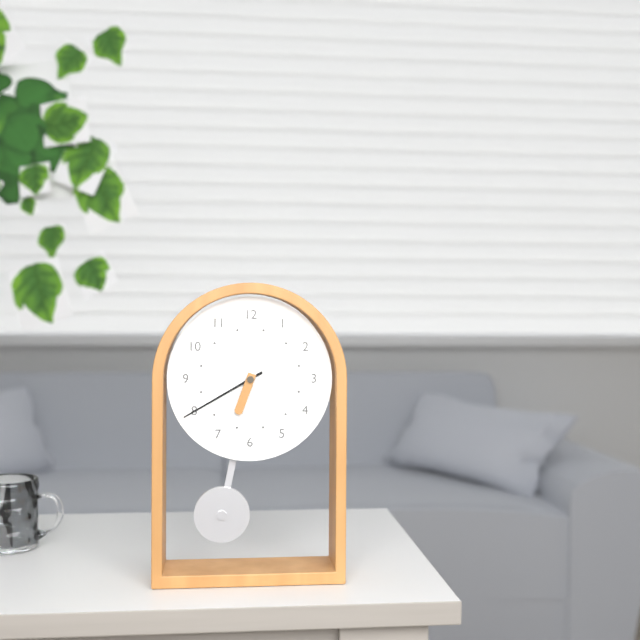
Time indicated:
6h40
